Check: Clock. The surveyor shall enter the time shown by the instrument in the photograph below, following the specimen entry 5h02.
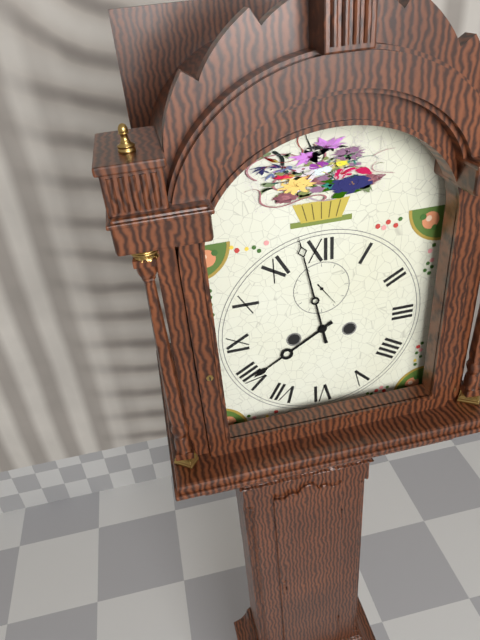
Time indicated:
7h58
